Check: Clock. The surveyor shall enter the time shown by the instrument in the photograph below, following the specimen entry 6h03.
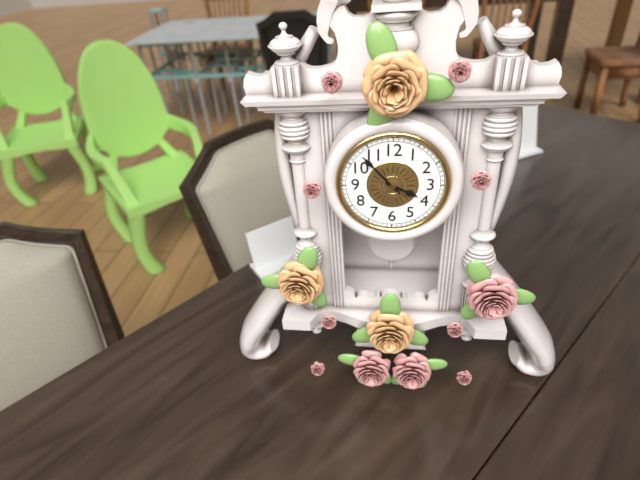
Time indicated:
3h53
